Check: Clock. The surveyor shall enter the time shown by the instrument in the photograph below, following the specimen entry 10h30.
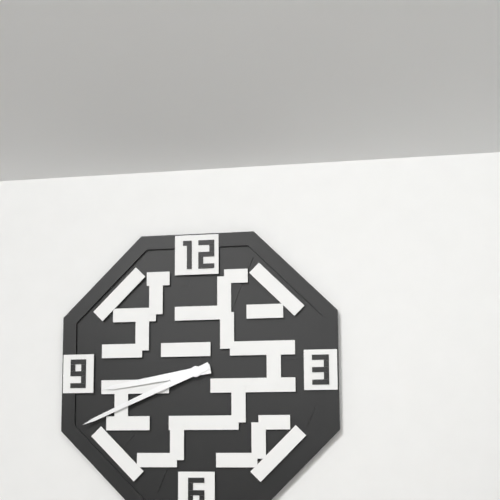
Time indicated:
8h41
